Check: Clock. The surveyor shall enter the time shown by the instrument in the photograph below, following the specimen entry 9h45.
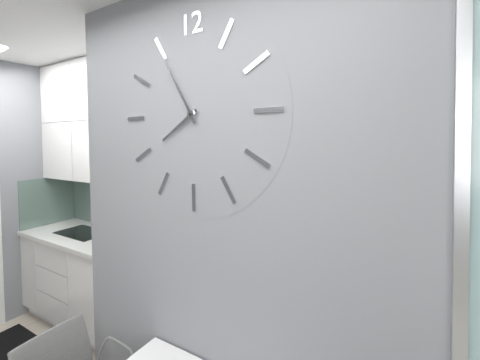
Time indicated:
7h55
